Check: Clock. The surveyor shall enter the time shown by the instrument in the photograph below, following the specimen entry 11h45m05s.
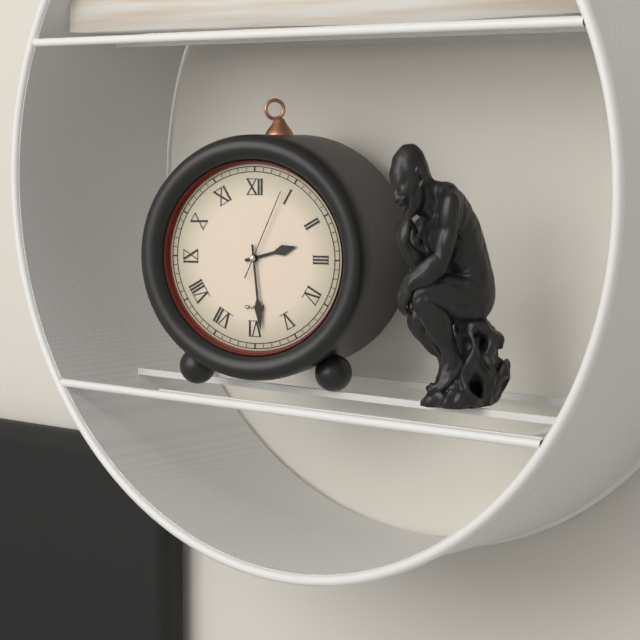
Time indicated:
2h29m04s
